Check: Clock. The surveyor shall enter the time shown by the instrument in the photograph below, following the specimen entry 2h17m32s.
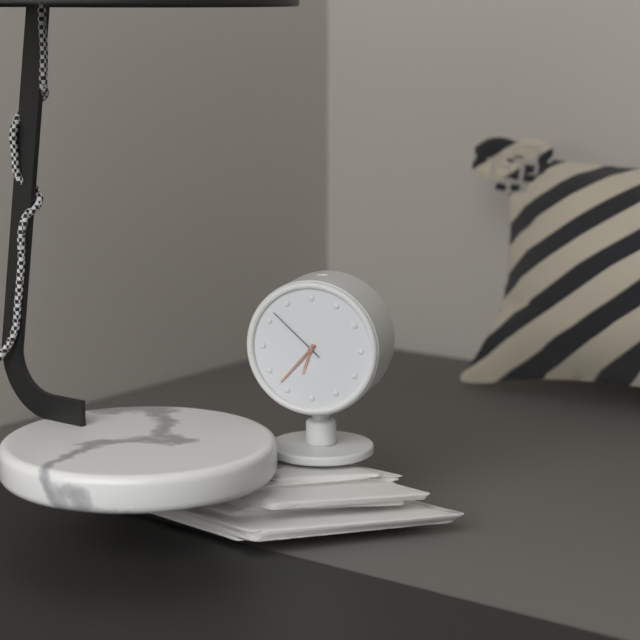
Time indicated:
6h37m52s
